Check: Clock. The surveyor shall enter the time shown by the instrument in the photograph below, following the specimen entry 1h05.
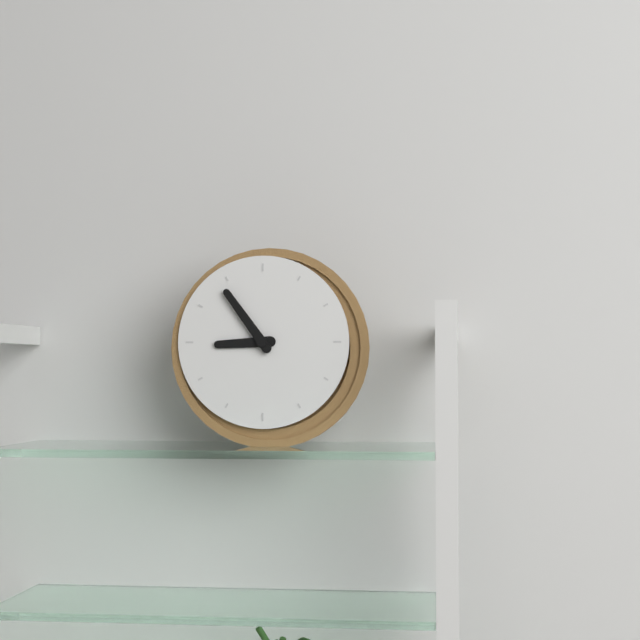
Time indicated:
8h54
